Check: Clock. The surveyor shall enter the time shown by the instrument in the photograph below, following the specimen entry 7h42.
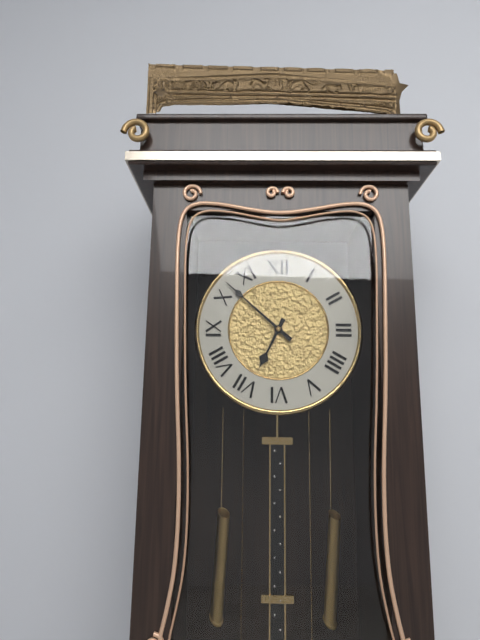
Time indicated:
6h52
